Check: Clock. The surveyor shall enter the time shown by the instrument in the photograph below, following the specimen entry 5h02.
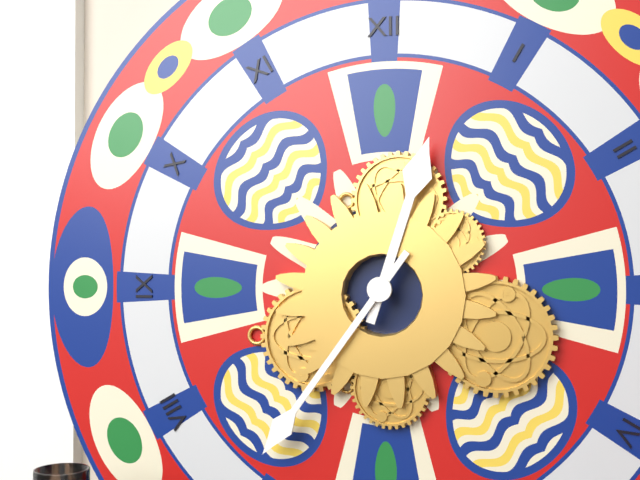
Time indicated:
12h36
